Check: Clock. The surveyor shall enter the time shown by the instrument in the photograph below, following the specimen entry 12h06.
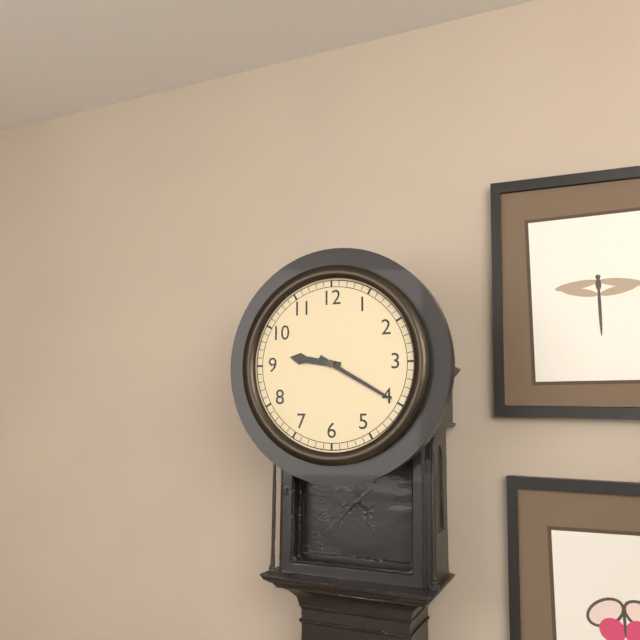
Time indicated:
9h20
